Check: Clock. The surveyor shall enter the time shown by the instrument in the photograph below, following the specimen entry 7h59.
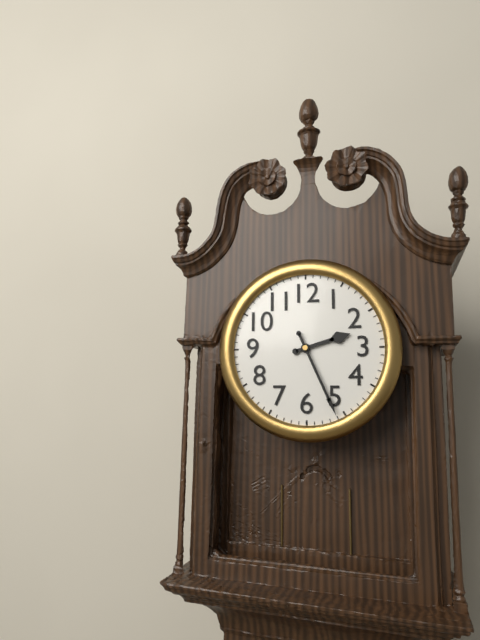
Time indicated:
2h26
